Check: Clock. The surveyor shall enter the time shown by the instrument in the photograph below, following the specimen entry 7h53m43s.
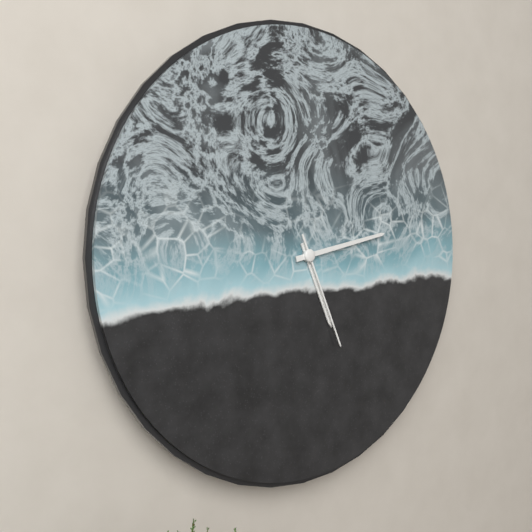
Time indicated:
5h13m26s
